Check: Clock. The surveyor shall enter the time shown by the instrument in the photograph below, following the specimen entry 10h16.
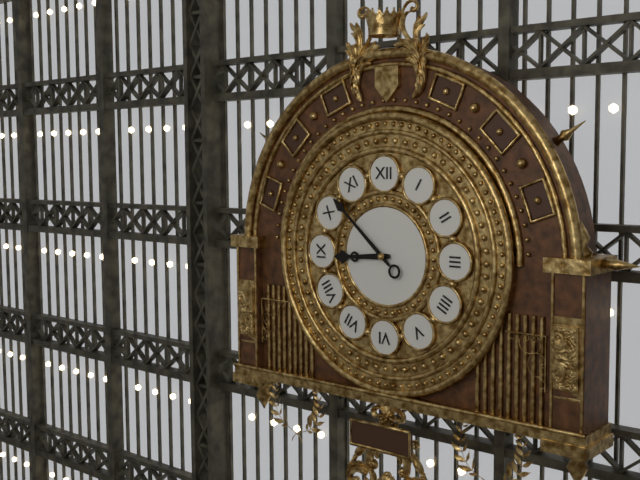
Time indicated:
8h52
